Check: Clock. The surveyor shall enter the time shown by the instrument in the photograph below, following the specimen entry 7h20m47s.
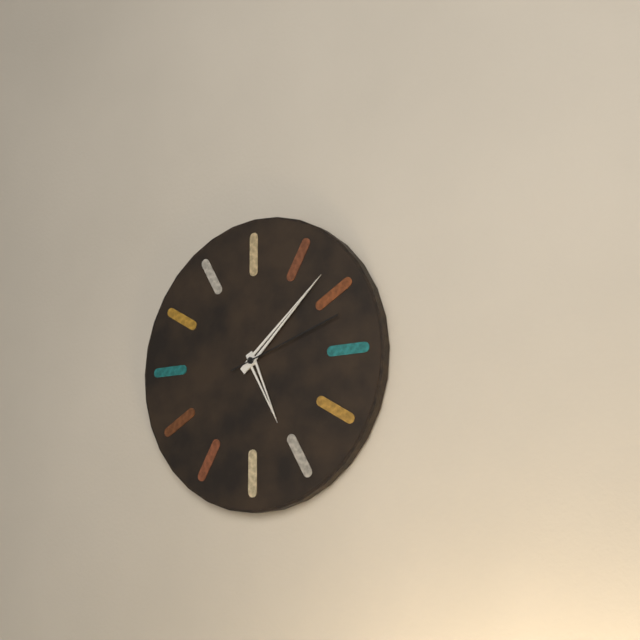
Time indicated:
5h08m12s
